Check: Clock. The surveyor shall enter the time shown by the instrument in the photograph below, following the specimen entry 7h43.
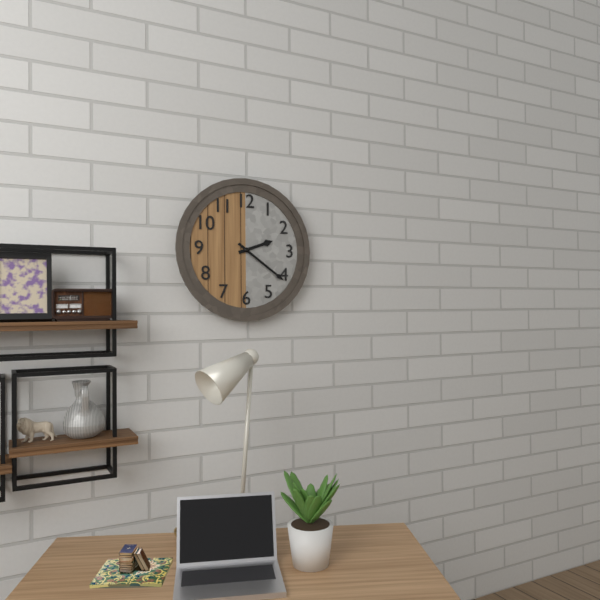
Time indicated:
2h21
